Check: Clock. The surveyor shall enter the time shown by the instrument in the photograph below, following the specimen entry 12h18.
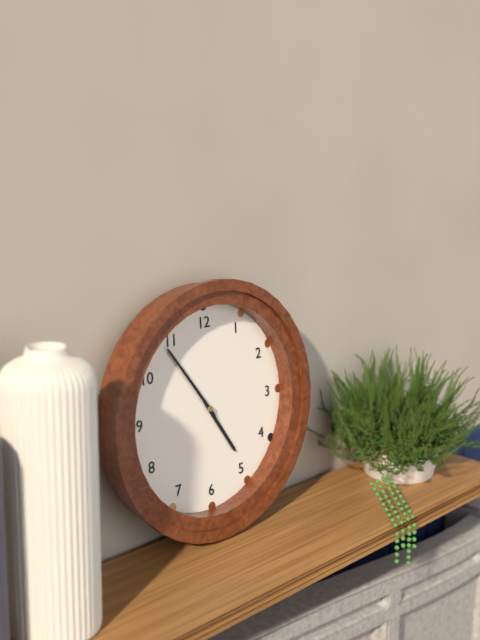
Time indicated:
4h54
